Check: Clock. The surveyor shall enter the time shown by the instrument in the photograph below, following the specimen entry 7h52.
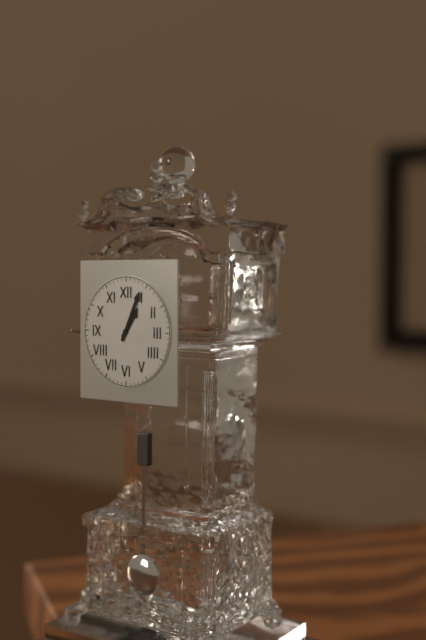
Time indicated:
1h04
